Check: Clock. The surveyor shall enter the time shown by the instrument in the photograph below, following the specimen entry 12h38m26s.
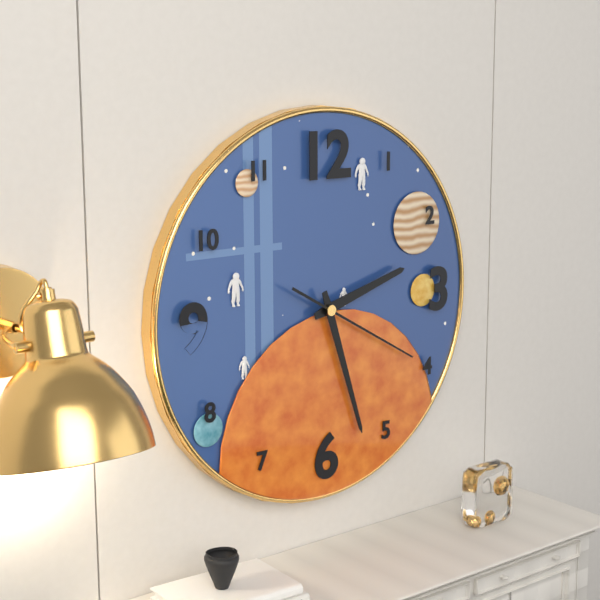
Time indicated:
2h27m20s
